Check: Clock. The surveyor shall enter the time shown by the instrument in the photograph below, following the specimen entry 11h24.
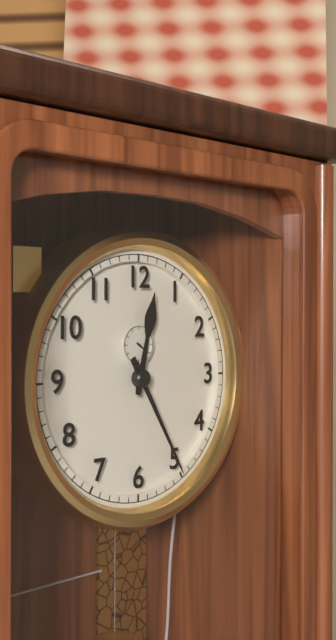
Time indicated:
12h25
